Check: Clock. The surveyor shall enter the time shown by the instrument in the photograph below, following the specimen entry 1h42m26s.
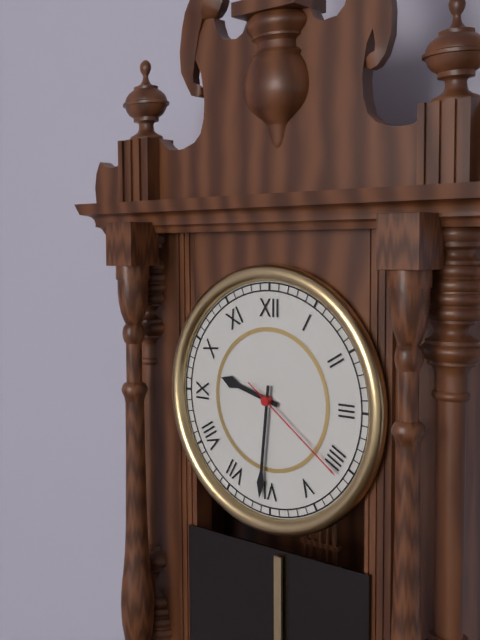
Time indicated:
9h31m21s
